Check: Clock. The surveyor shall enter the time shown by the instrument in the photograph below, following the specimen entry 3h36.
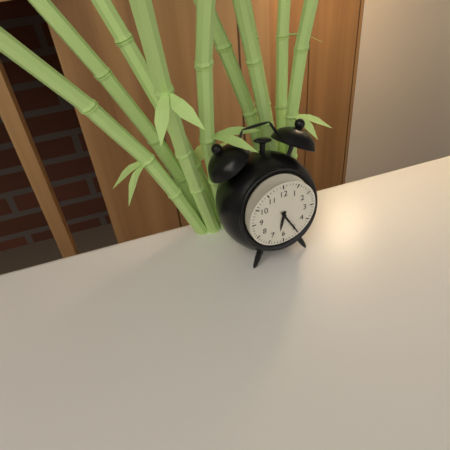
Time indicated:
6h25
